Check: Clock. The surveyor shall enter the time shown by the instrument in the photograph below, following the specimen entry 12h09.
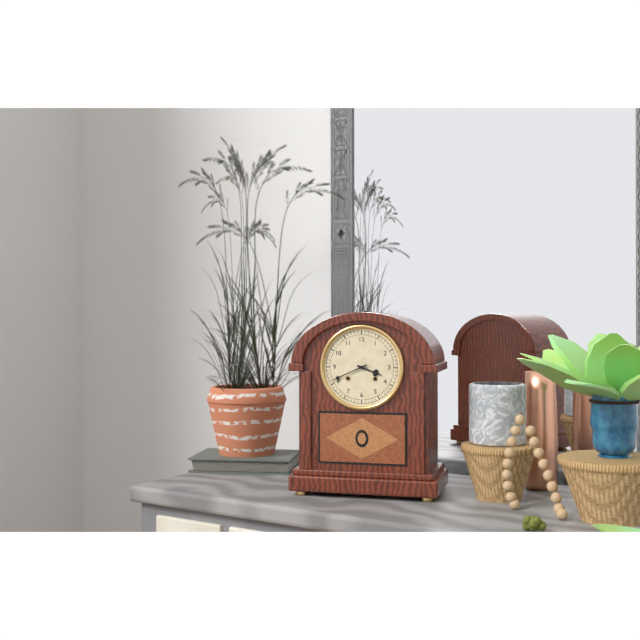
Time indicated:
3h41
